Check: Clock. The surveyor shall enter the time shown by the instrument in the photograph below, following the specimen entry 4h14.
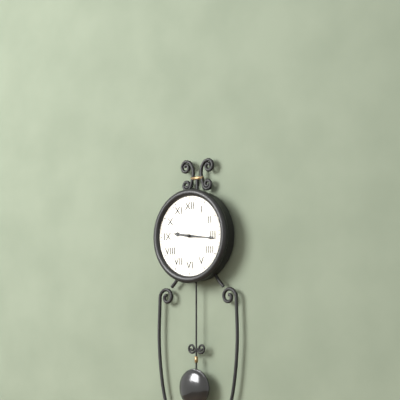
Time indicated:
9h16
